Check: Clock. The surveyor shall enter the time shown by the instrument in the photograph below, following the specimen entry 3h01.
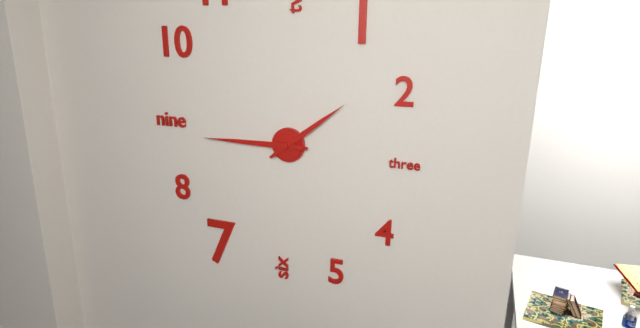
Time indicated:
1h45
